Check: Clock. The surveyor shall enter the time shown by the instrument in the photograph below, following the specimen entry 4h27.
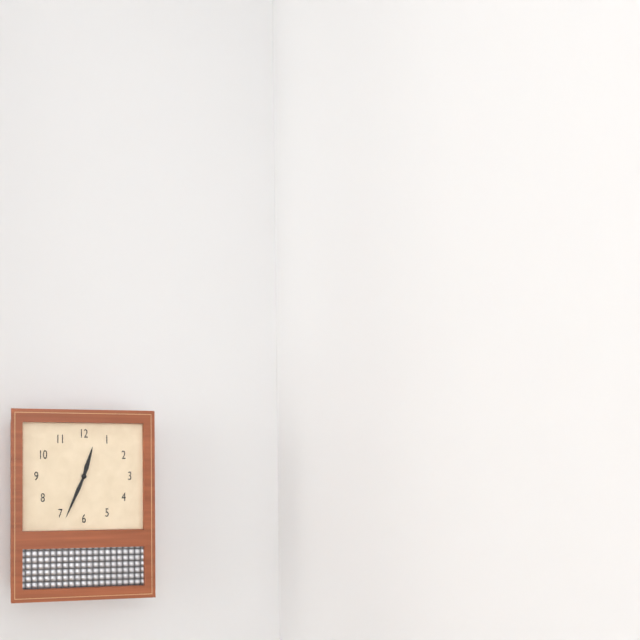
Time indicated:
12h34
